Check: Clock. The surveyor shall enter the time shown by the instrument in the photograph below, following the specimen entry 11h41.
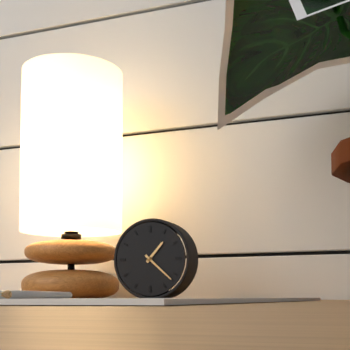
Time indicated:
1h22
